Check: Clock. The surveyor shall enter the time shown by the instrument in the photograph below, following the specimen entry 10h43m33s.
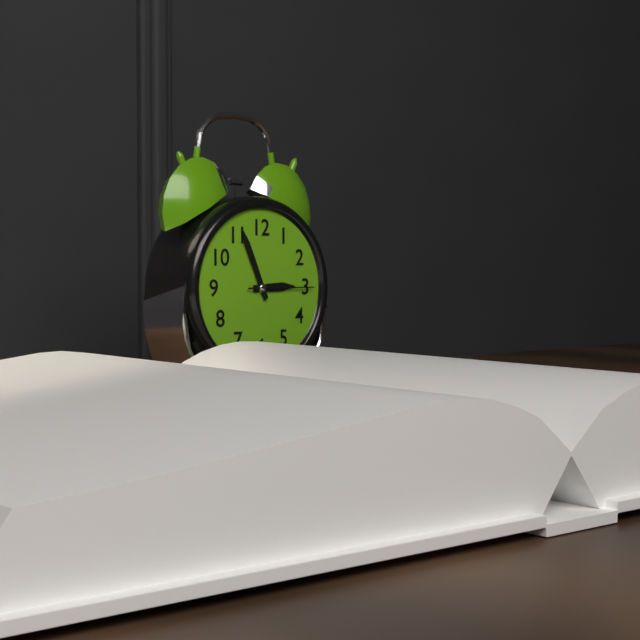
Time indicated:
2h56m15s
